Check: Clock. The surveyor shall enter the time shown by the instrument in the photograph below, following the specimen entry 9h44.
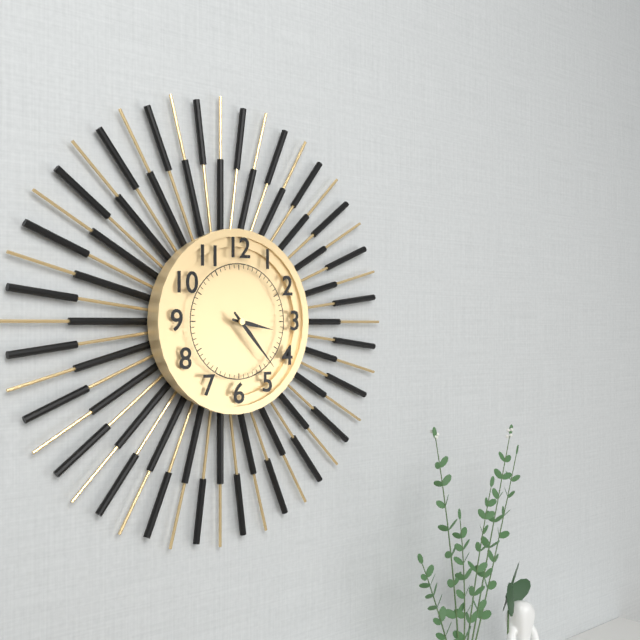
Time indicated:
3h23
